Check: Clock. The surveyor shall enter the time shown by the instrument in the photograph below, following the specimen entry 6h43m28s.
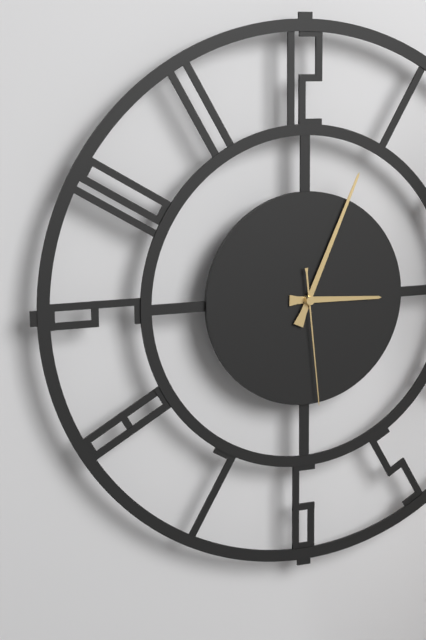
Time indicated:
3h04m29s
